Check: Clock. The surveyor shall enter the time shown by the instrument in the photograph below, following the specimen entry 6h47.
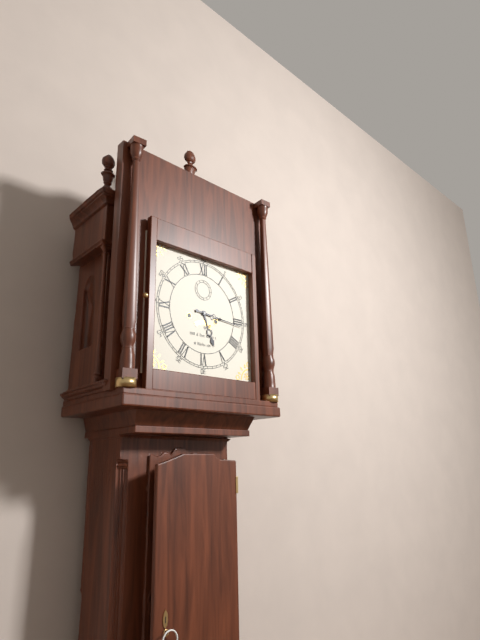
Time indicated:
5h16
